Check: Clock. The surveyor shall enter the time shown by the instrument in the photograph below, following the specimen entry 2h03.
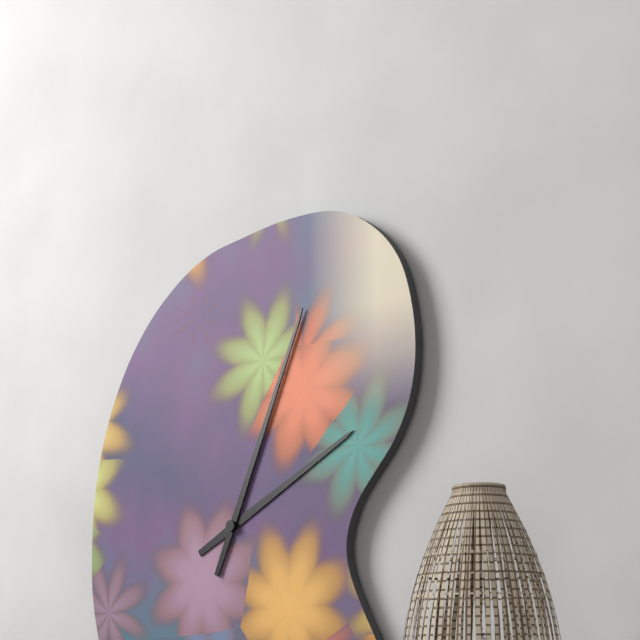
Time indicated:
2h04
